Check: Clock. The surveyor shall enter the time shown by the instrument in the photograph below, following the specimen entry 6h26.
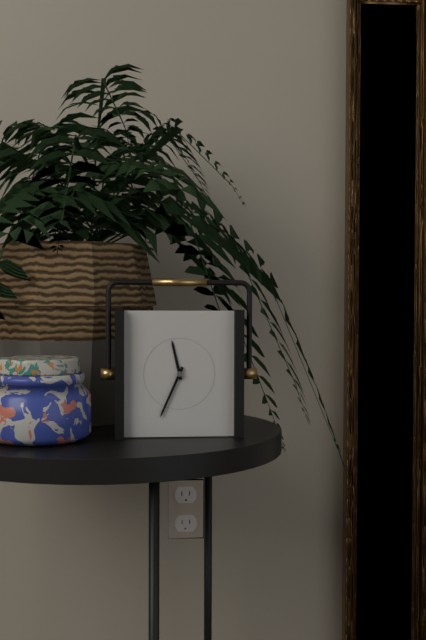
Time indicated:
11h34
